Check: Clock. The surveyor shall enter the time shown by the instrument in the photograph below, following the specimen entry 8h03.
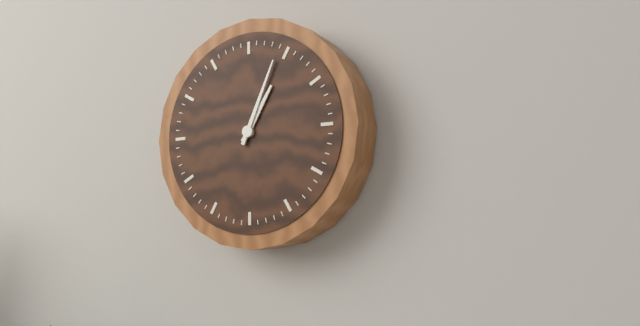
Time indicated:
1h04
